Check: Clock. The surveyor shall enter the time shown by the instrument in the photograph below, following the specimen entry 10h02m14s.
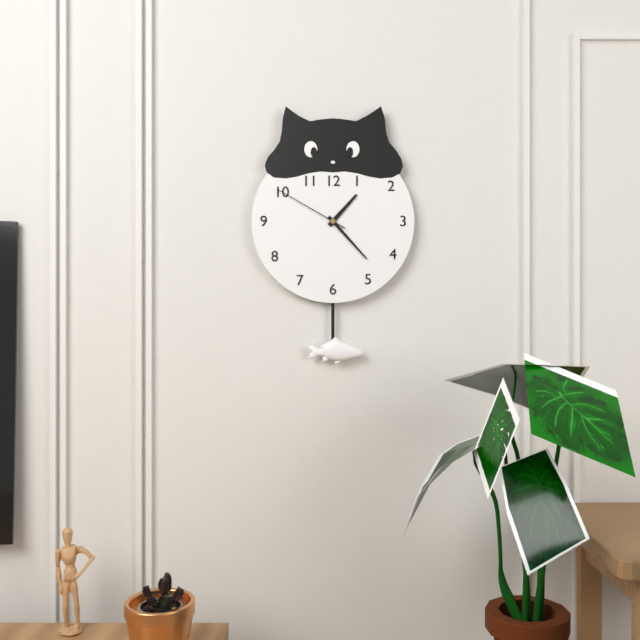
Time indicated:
1h23m50s
